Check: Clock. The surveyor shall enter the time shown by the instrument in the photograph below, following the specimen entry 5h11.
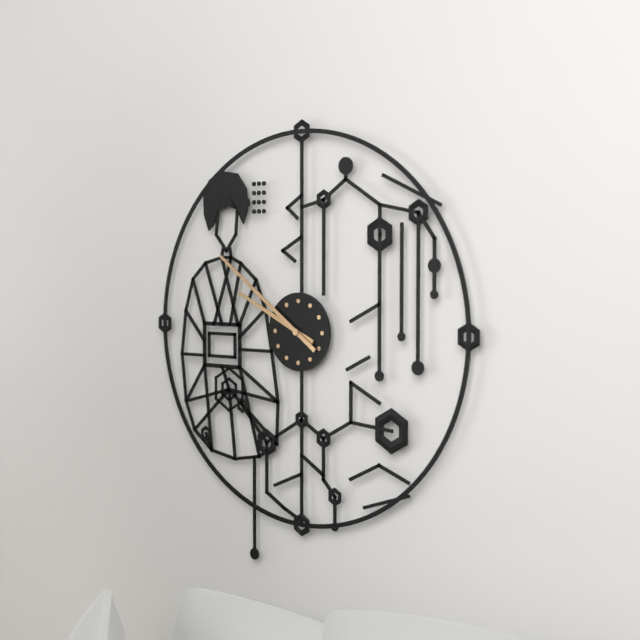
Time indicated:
9h51
